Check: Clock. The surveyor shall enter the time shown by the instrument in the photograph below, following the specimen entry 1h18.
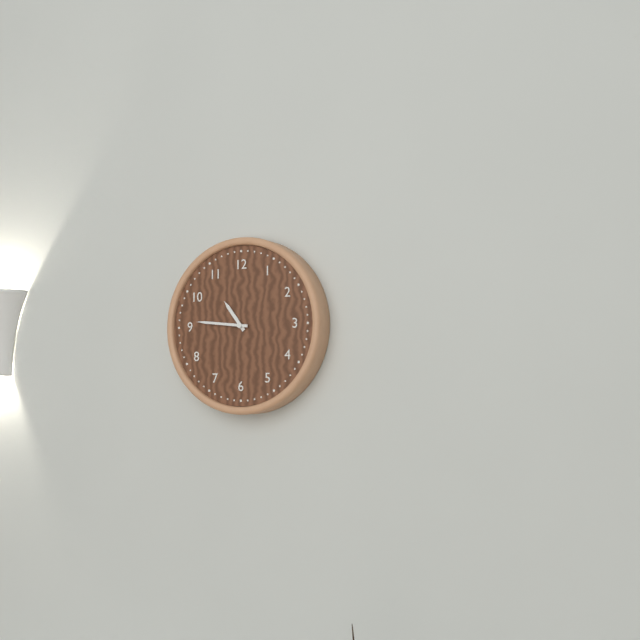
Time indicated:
10h46
